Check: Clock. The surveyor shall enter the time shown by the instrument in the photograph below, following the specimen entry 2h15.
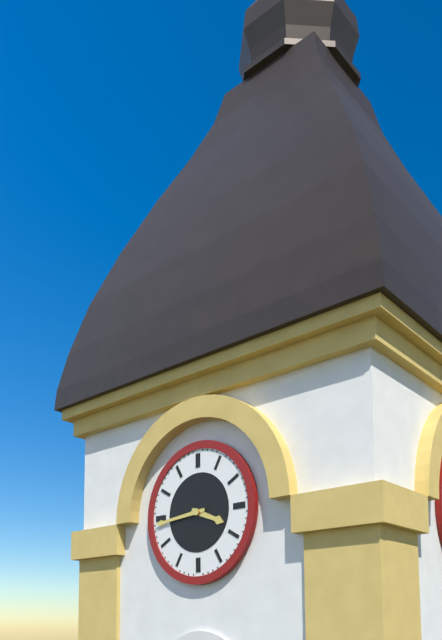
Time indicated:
3h44
